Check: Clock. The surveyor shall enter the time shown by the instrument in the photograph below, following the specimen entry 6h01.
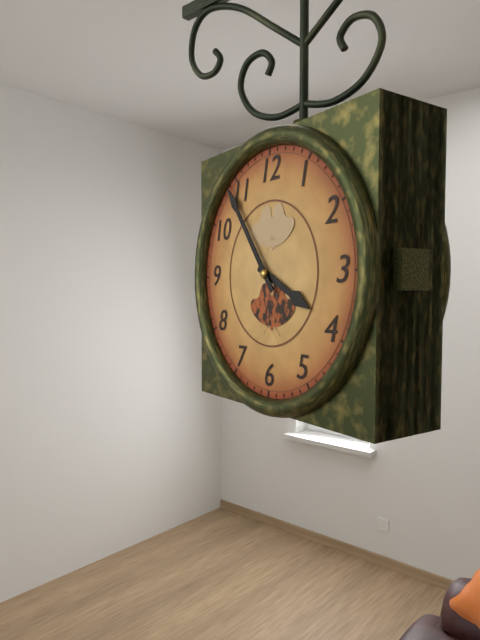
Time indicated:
3h54
